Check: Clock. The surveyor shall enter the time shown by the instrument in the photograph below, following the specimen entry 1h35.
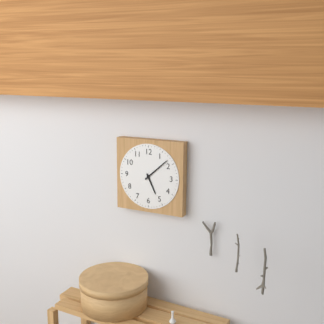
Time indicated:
5h08
